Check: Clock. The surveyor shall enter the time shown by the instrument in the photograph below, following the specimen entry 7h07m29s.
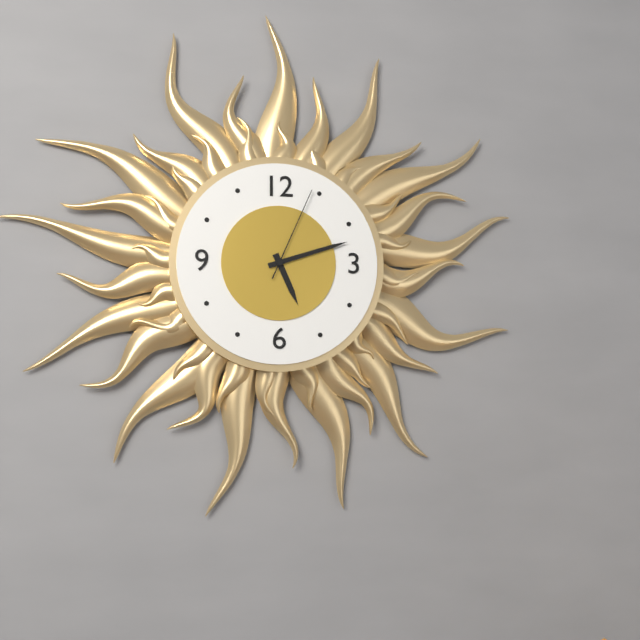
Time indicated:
5h12m04s
